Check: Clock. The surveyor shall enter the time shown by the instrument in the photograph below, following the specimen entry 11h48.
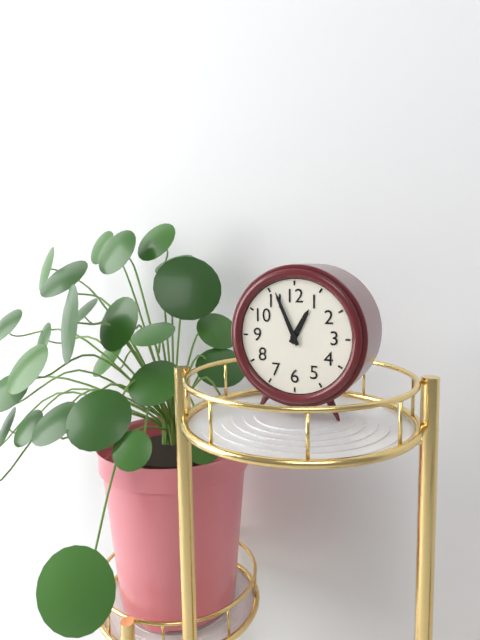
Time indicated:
12h56
